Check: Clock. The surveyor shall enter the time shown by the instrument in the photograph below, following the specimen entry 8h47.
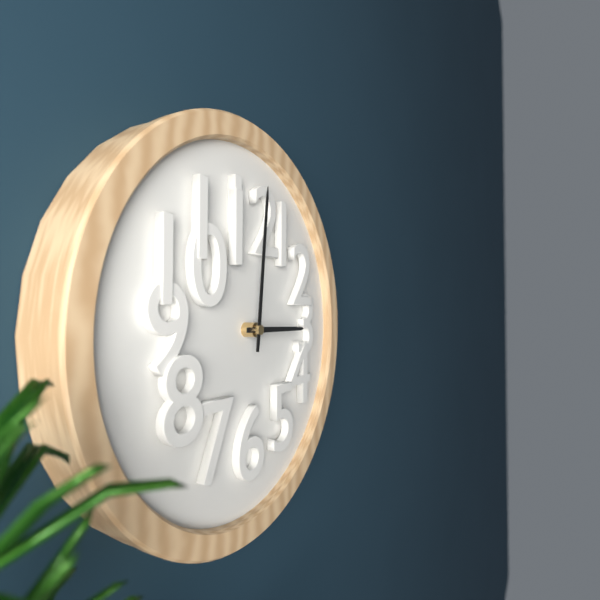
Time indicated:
3h01
